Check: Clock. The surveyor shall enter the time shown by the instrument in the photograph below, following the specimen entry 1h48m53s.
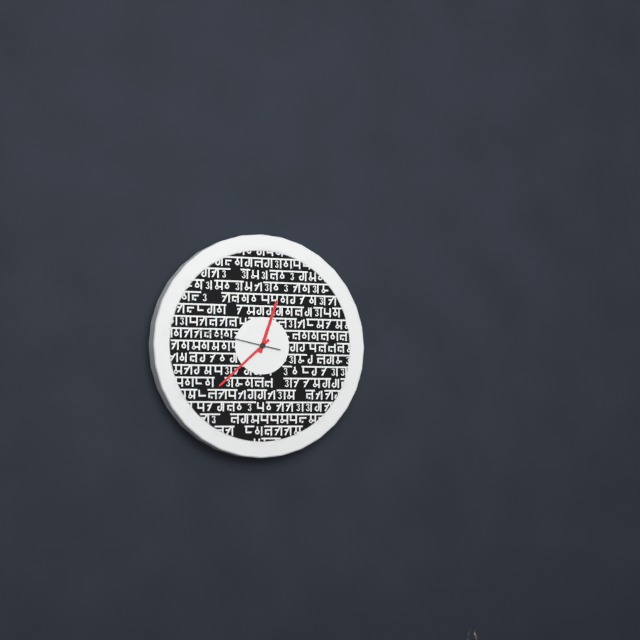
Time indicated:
12h38m47s
